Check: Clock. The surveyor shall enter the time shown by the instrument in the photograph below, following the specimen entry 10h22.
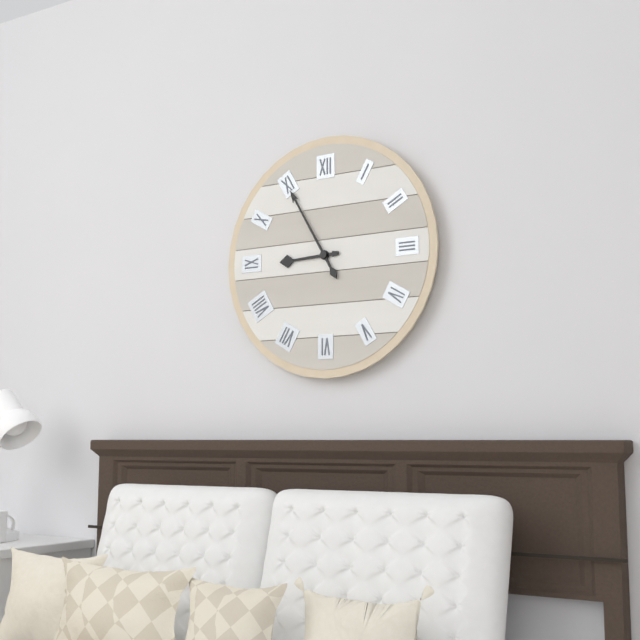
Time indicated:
8h55
